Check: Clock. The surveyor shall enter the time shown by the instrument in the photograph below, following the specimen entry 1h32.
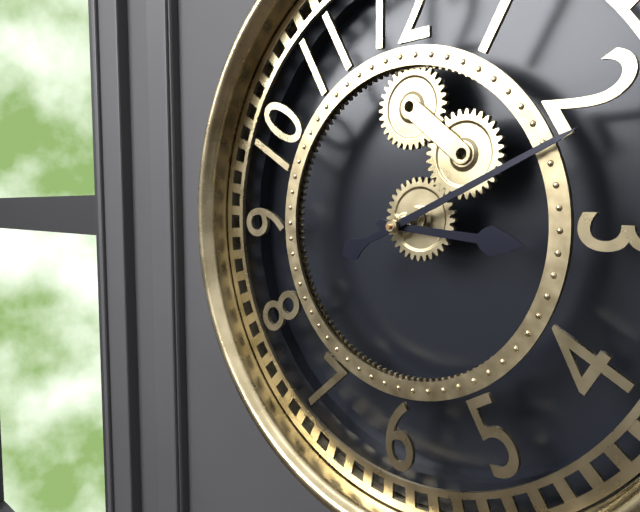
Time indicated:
3h11
